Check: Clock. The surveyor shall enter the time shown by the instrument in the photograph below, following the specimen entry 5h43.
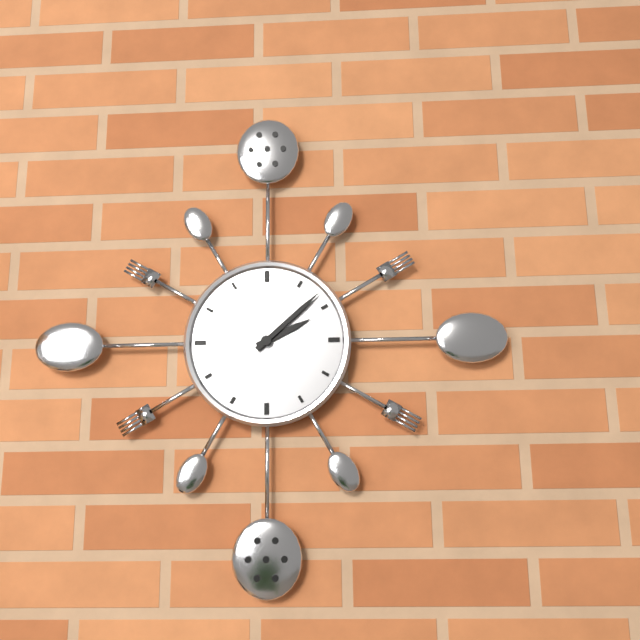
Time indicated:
2h08
